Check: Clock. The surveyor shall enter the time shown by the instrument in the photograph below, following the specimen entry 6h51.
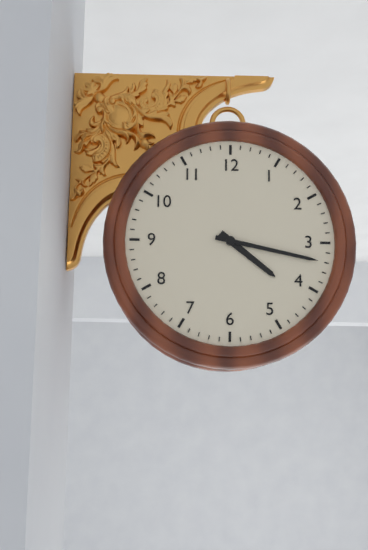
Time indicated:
4h17
